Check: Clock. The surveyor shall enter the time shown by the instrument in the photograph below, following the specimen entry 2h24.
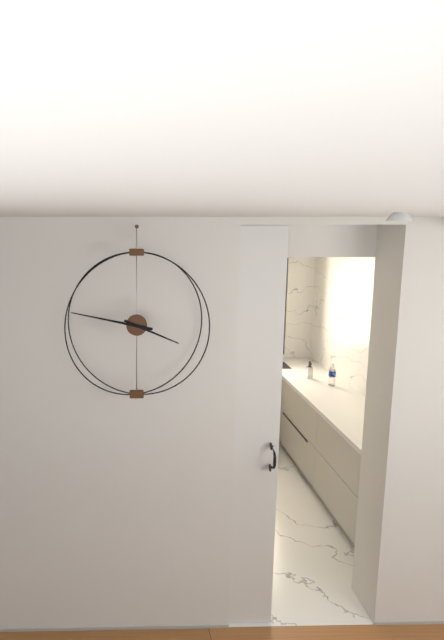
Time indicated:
3h47
